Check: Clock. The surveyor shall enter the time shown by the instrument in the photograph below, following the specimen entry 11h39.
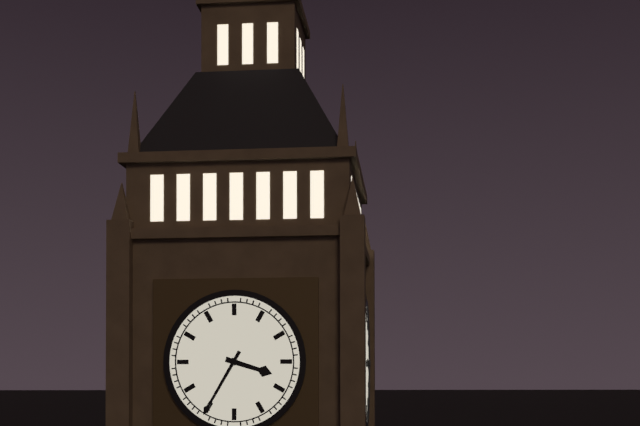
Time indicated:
3h35
